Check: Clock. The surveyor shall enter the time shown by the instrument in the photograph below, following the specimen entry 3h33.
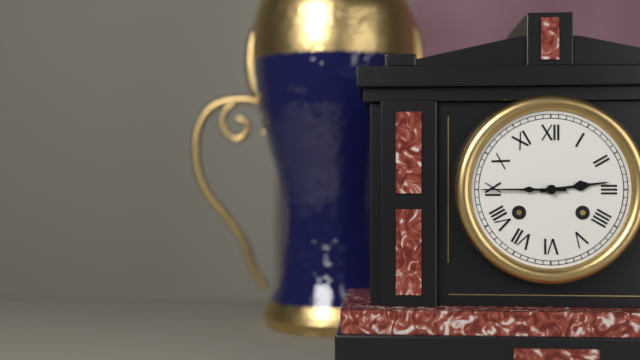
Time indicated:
2h45
